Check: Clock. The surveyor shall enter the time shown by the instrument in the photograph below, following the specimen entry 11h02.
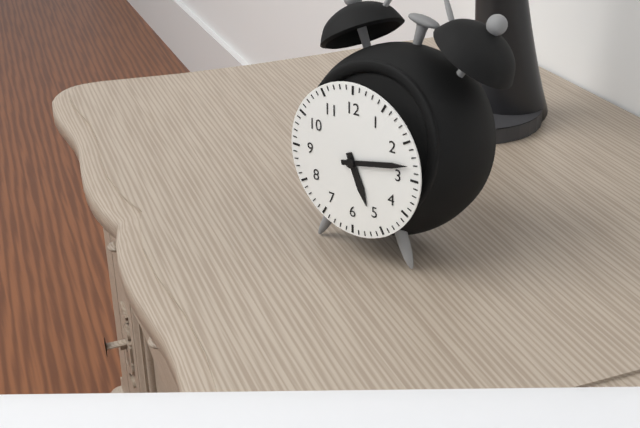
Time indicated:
5h13
